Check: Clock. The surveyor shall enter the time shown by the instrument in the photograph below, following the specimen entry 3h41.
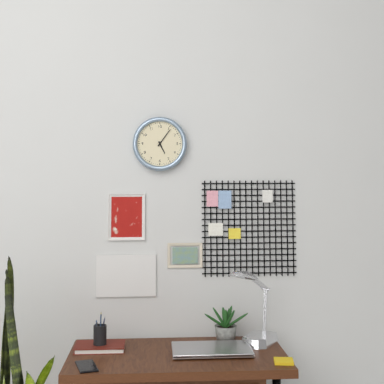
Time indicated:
5h06
